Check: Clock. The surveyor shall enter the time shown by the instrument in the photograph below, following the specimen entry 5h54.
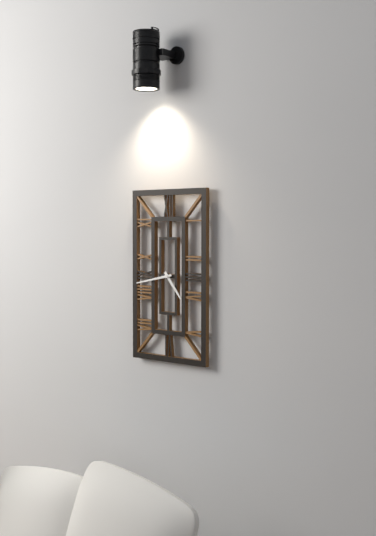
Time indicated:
4h43
